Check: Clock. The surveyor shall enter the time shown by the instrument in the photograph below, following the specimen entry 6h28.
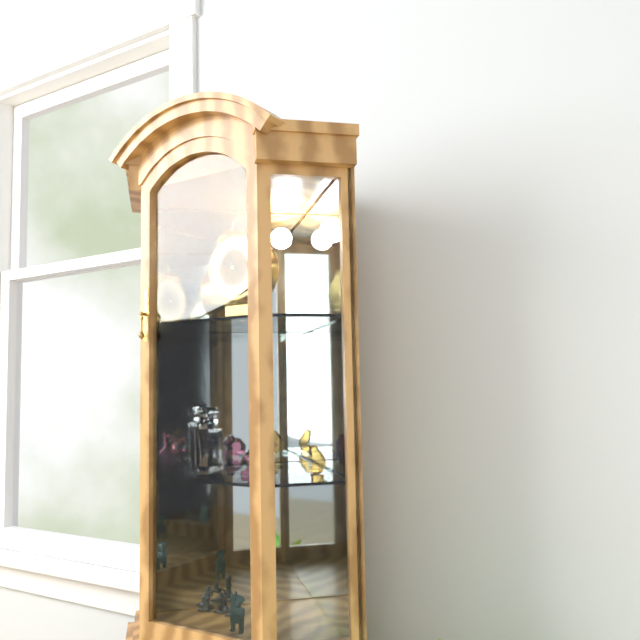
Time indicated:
9h56
